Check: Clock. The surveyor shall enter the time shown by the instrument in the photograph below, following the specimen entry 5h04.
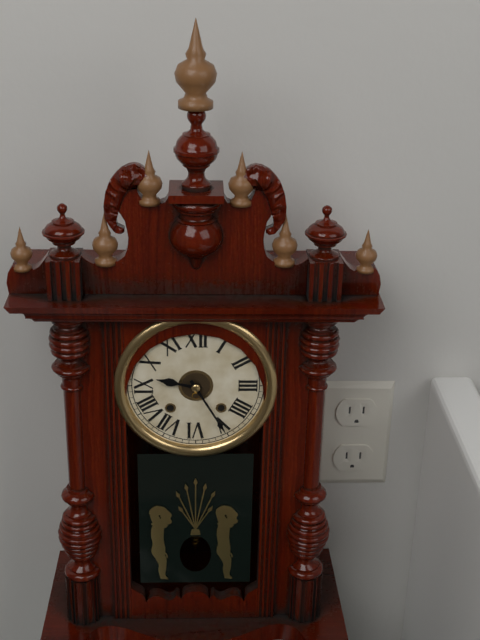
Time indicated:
9h25
